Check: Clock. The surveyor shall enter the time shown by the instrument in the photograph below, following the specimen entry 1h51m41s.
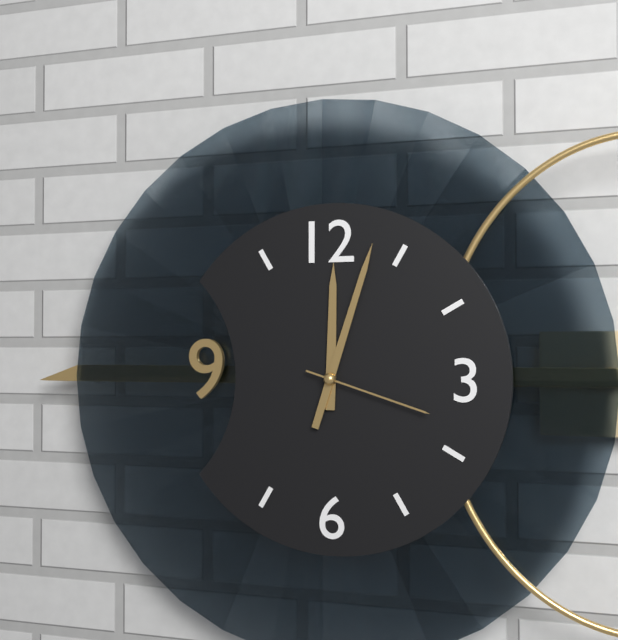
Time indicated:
12h03m18s
